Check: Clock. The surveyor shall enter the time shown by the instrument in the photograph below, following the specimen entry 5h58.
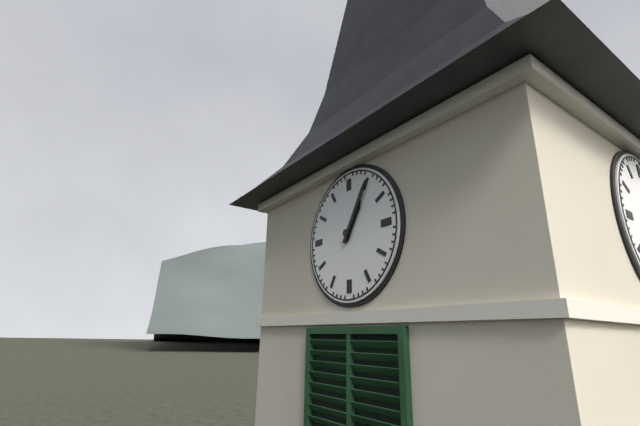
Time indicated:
1h05
